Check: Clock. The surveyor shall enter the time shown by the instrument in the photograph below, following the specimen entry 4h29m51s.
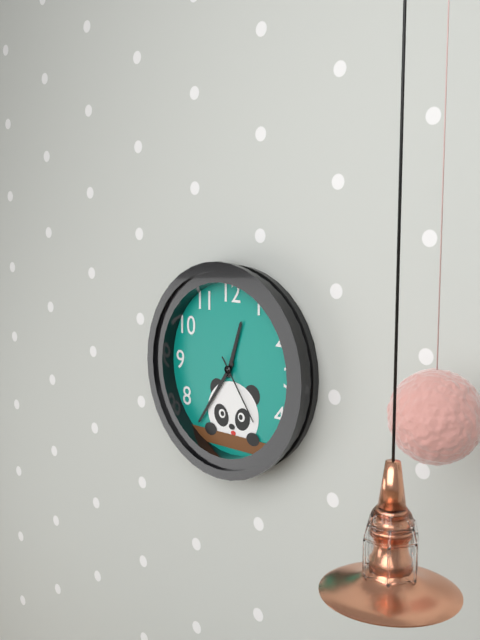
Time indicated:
12h36m24s
